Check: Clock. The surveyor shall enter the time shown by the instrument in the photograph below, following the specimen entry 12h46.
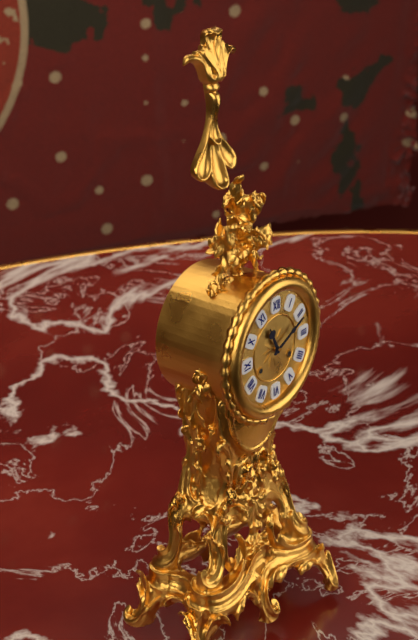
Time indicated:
11h11
